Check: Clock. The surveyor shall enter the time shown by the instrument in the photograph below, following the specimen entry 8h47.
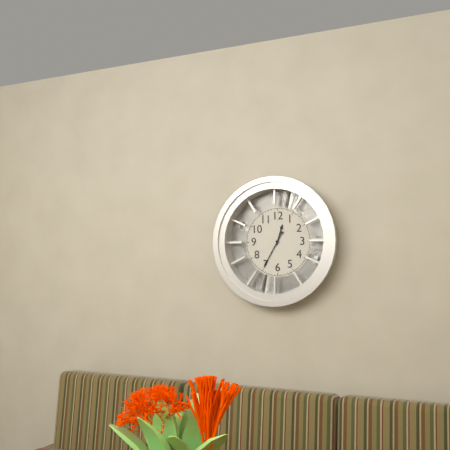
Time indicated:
12h35
